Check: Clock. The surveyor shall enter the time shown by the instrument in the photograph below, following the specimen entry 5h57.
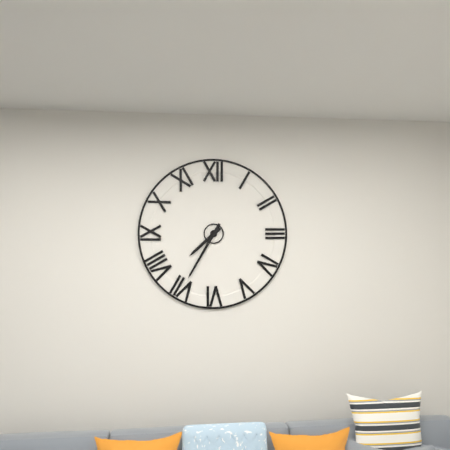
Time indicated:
7h35
